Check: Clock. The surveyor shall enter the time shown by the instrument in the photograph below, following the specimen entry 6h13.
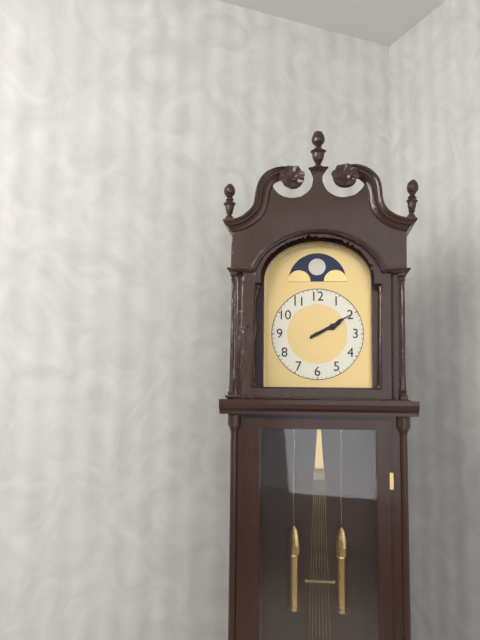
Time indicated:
2h10
